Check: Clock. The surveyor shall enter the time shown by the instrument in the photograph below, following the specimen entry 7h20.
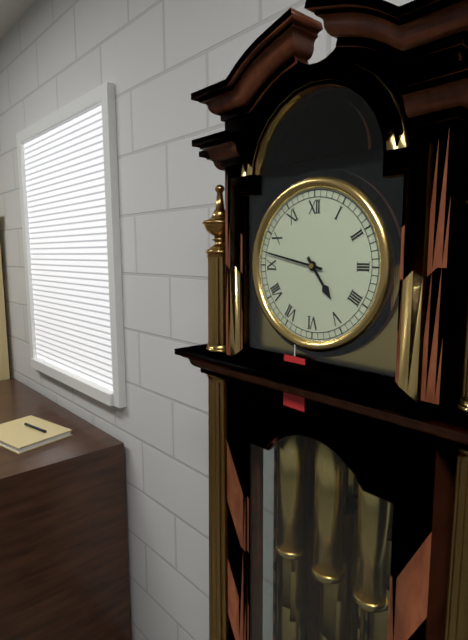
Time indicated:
4h47
